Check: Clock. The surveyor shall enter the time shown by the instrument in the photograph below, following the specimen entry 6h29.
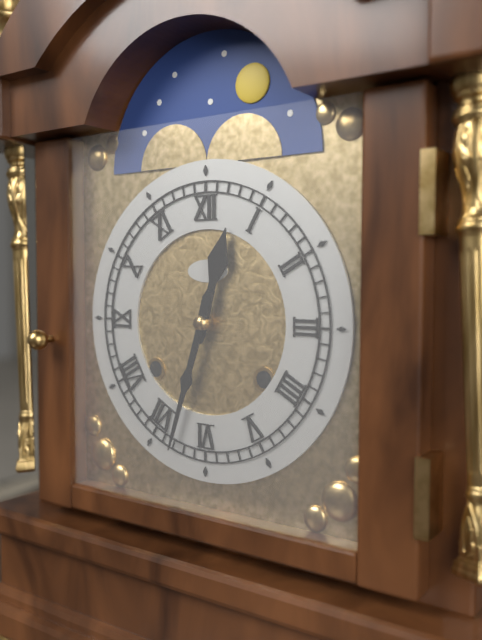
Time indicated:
12h33
